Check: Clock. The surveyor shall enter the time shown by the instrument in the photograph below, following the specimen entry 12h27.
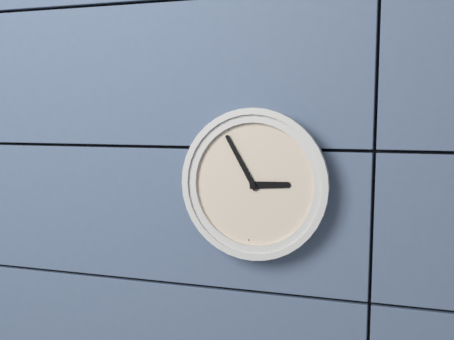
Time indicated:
2h55
